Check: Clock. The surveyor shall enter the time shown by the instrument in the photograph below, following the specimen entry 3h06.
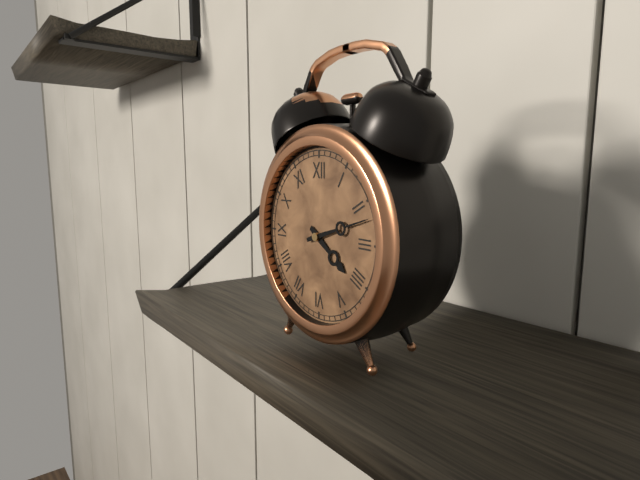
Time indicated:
4h12
